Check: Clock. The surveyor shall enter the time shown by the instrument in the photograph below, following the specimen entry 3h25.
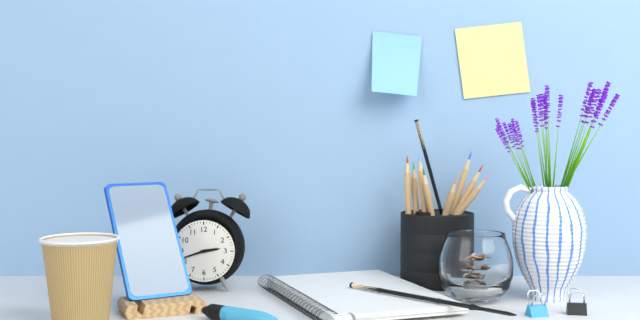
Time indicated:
2h42
